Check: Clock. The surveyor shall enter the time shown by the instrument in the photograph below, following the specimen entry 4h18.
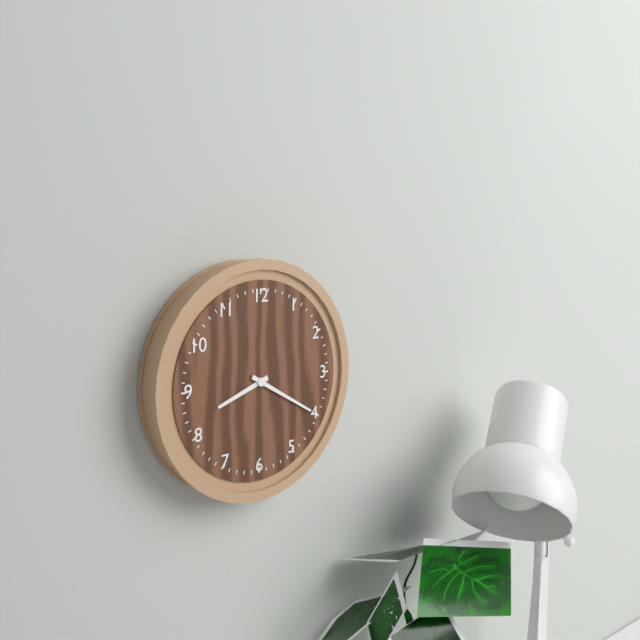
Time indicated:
8h20
